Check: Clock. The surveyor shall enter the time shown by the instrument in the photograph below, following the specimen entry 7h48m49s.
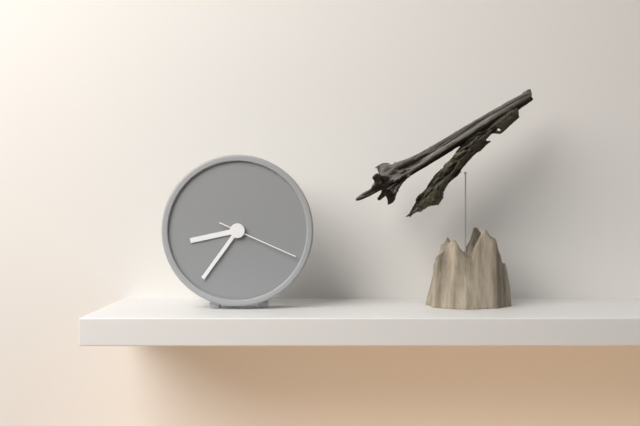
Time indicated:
8h36m19s
